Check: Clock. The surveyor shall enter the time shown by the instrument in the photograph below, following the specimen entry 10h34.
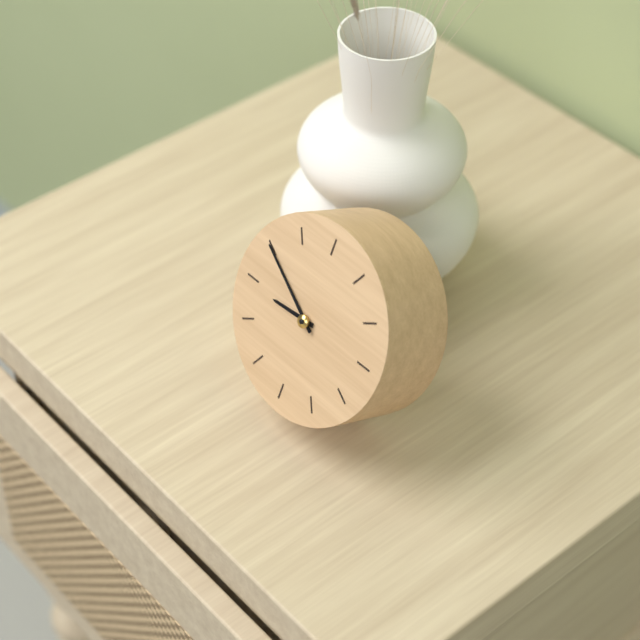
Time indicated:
8h50
